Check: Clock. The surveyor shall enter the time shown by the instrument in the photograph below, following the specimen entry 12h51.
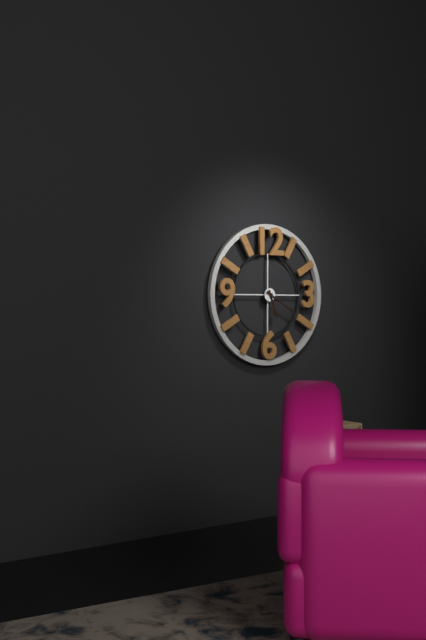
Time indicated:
5h20
